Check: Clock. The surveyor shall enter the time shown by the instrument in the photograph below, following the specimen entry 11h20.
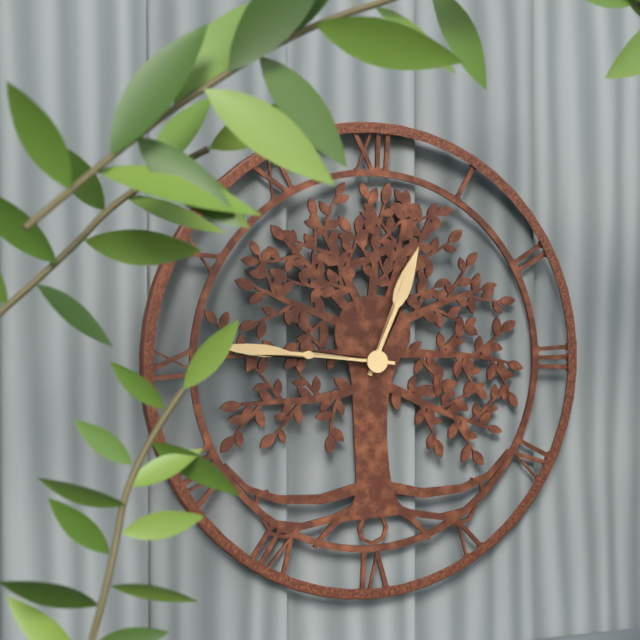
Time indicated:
12h46
